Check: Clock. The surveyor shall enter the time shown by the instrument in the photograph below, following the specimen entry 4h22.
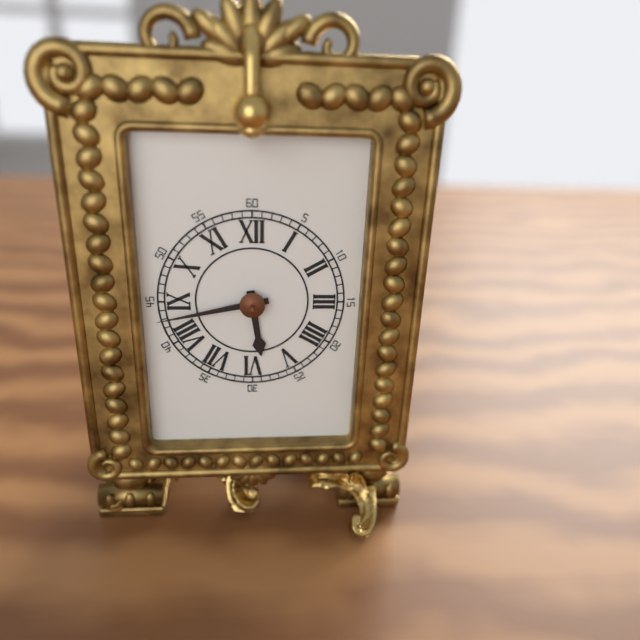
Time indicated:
5h43
